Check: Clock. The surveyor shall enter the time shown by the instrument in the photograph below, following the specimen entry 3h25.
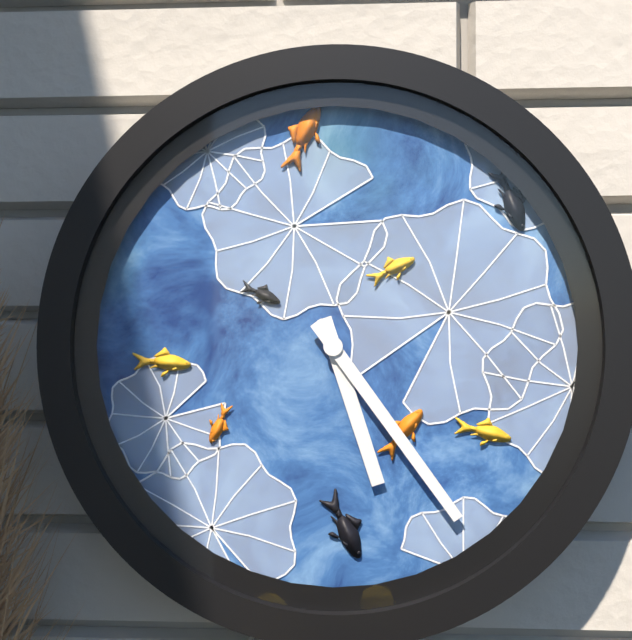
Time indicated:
5h24
